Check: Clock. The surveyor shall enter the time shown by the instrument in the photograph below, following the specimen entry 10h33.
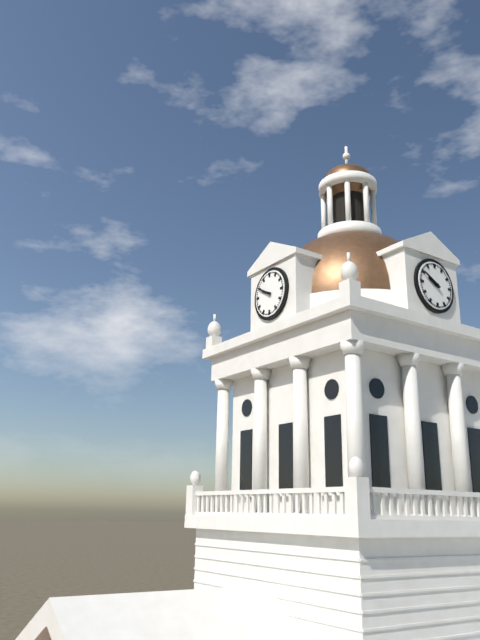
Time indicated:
9h50
